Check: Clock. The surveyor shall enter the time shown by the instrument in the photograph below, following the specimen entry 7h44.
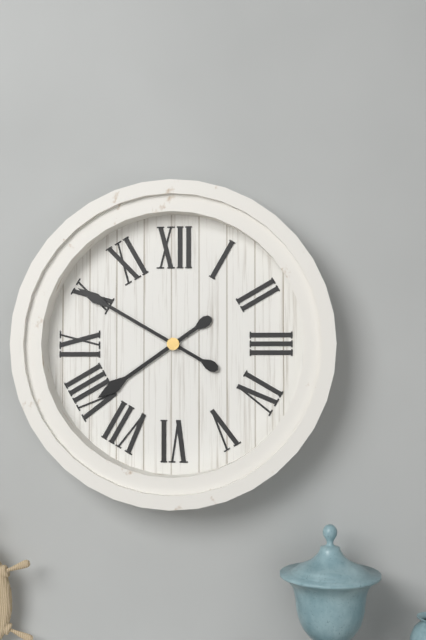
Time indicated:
7h50
